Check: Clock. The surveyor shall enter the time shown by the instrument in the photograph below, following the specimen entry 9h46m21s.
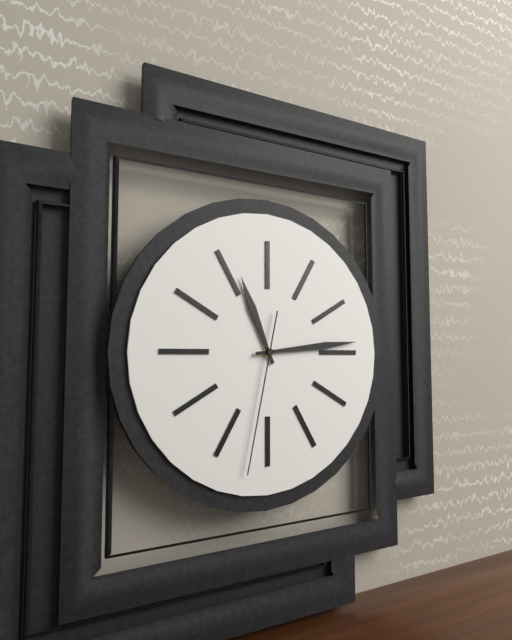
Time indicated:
11h14m32s
